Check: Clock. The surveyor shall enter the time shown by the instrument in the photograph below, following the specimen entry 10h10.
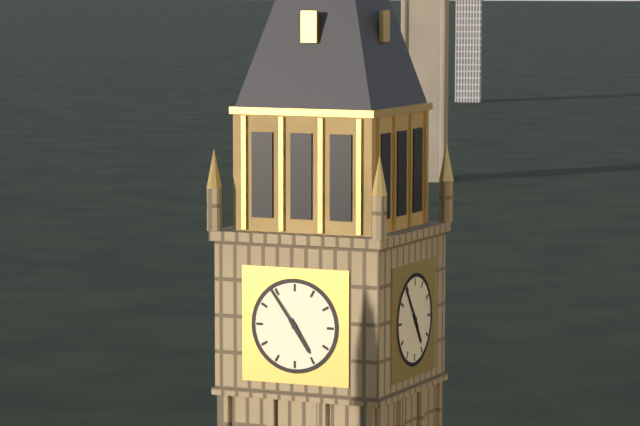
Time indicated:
4h54
